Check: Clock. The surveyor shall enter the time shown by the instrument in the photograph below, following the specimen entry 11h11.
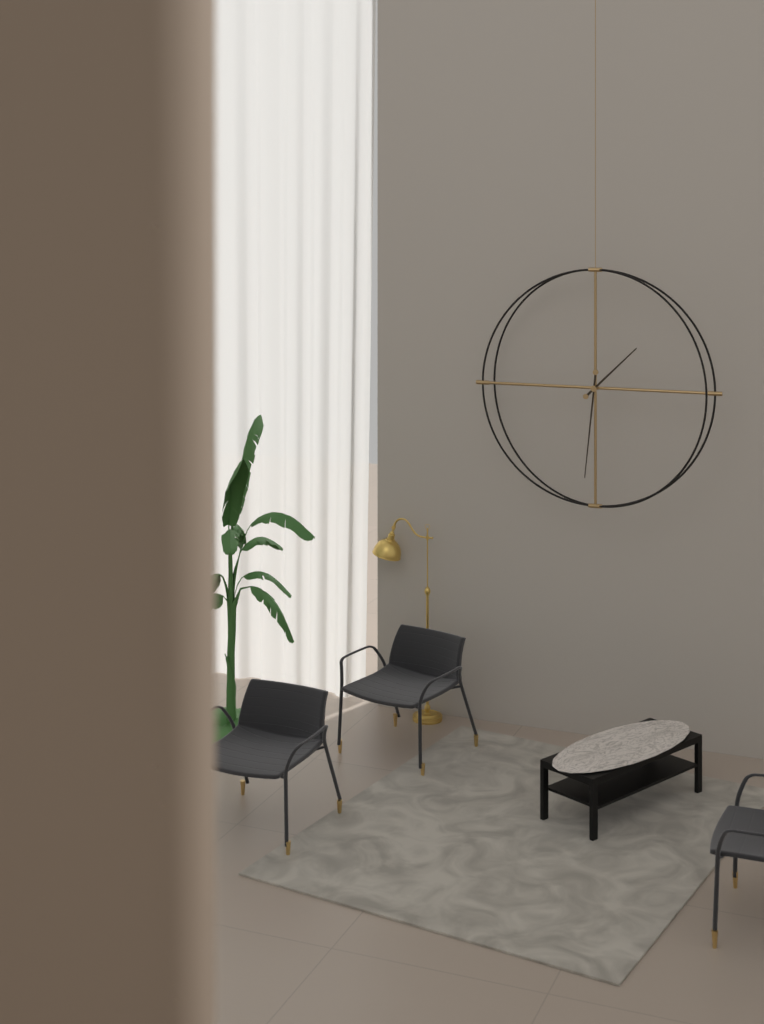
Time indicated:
1h31
